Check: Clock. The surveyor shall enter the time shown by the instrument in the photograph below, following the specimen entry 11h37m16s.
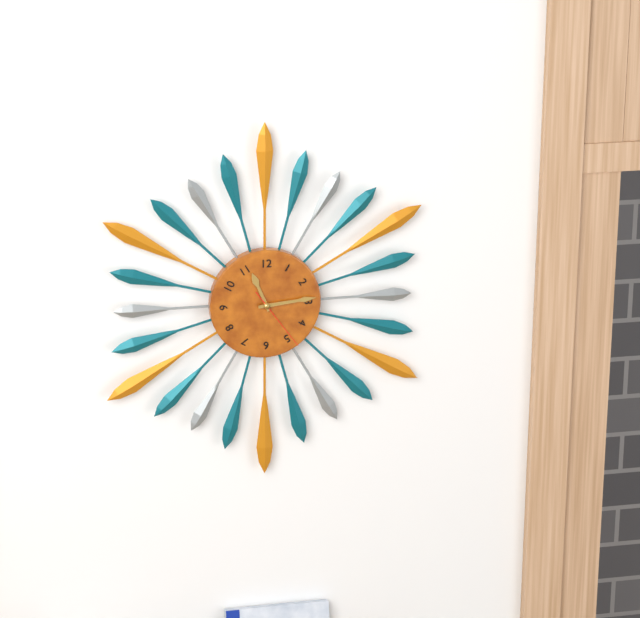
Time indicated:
11h14m24s
